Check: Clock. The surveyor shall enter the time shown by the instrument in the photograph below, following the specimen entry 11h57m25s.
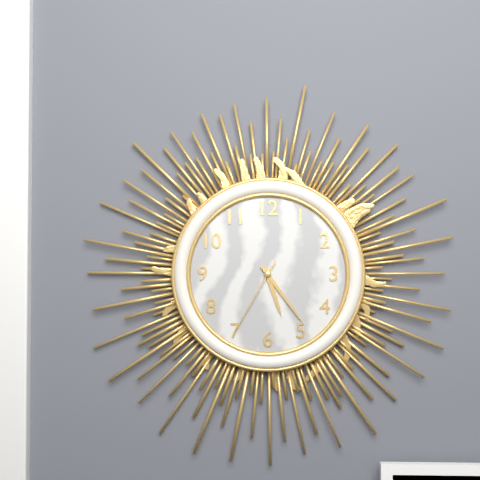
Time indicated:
5h24m35s
